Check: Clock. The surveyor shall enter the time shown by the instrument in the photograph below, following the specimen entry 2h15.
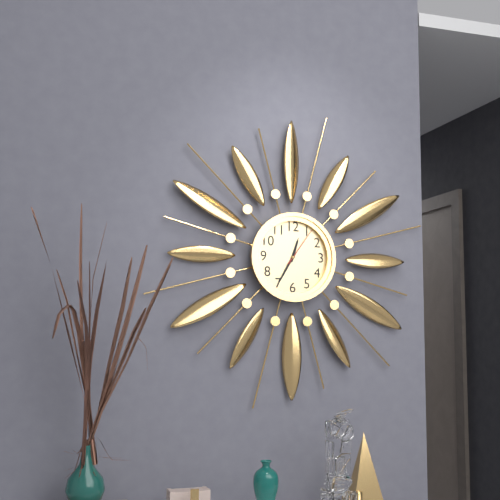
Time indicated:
12h35
